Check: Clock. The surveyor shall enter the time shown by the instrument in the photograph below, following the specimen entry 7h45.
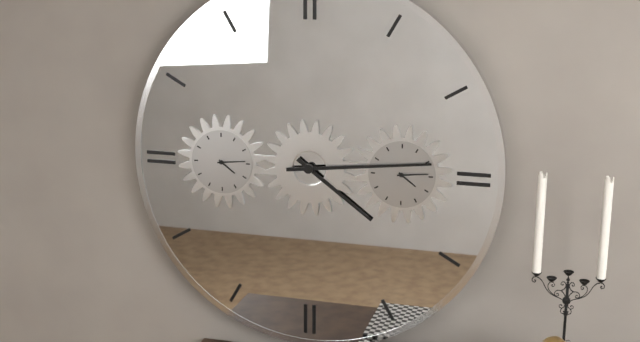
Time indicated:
4h14
